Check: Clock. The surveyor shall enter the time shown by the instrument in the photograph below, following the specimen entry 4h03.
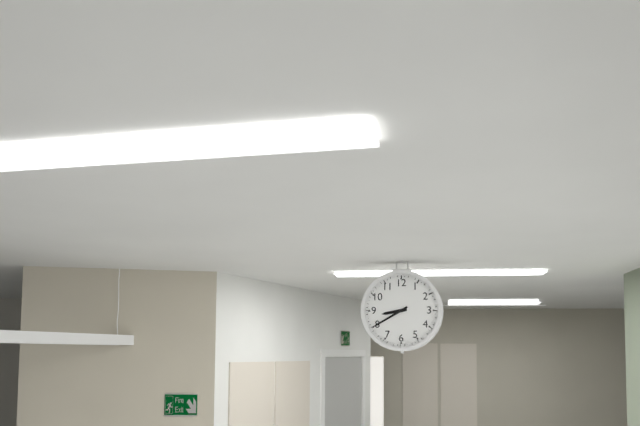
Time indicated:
8h40
